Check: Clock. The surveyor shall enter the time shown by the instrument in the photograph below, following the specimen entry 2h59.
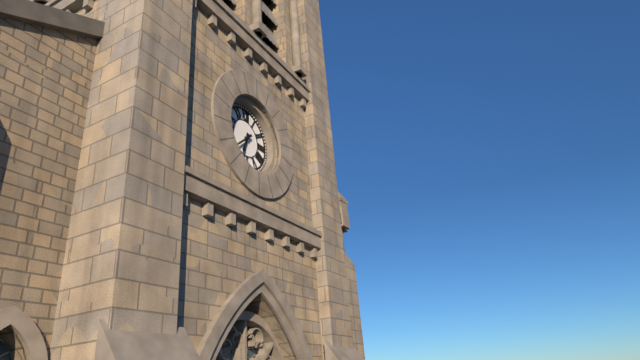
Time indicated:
6h38
